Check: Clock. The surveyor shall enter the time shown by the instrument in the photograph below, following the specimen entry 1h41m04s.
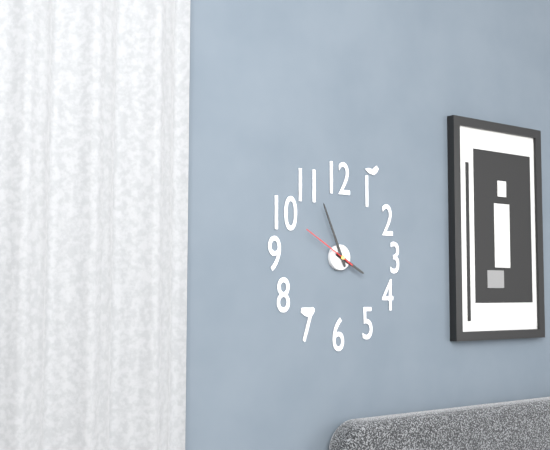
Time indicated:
3h56m50s
